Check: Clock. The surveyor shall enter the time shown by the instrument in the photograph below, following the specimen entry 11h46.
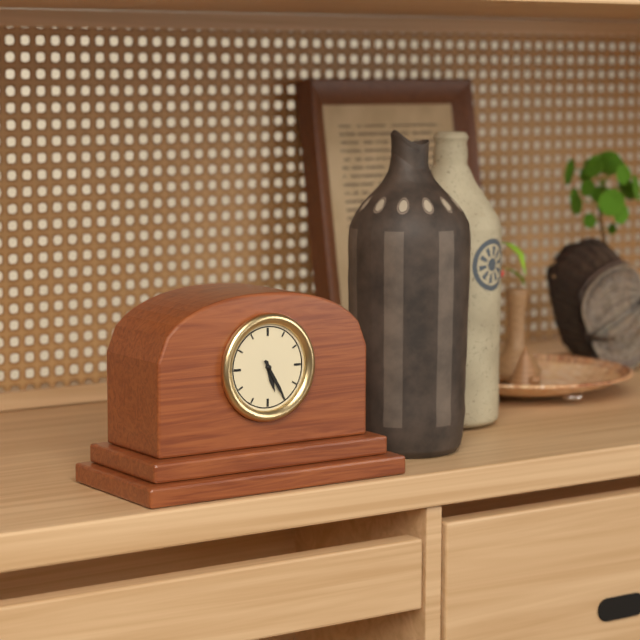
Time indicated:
5h25
